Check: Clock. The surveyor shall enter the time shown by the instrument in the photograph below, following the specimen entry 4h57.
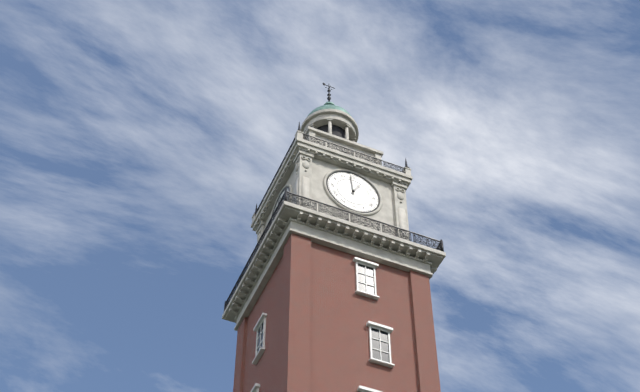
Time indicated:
12h59
